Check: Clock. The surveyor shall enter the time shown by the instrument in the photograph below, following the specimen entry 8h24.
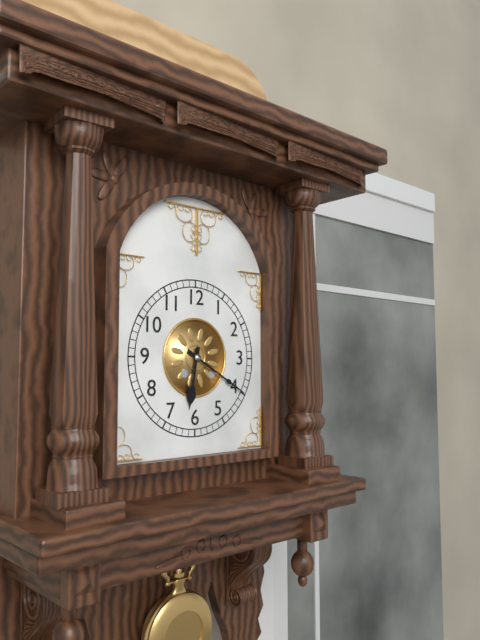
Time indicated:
6h20
